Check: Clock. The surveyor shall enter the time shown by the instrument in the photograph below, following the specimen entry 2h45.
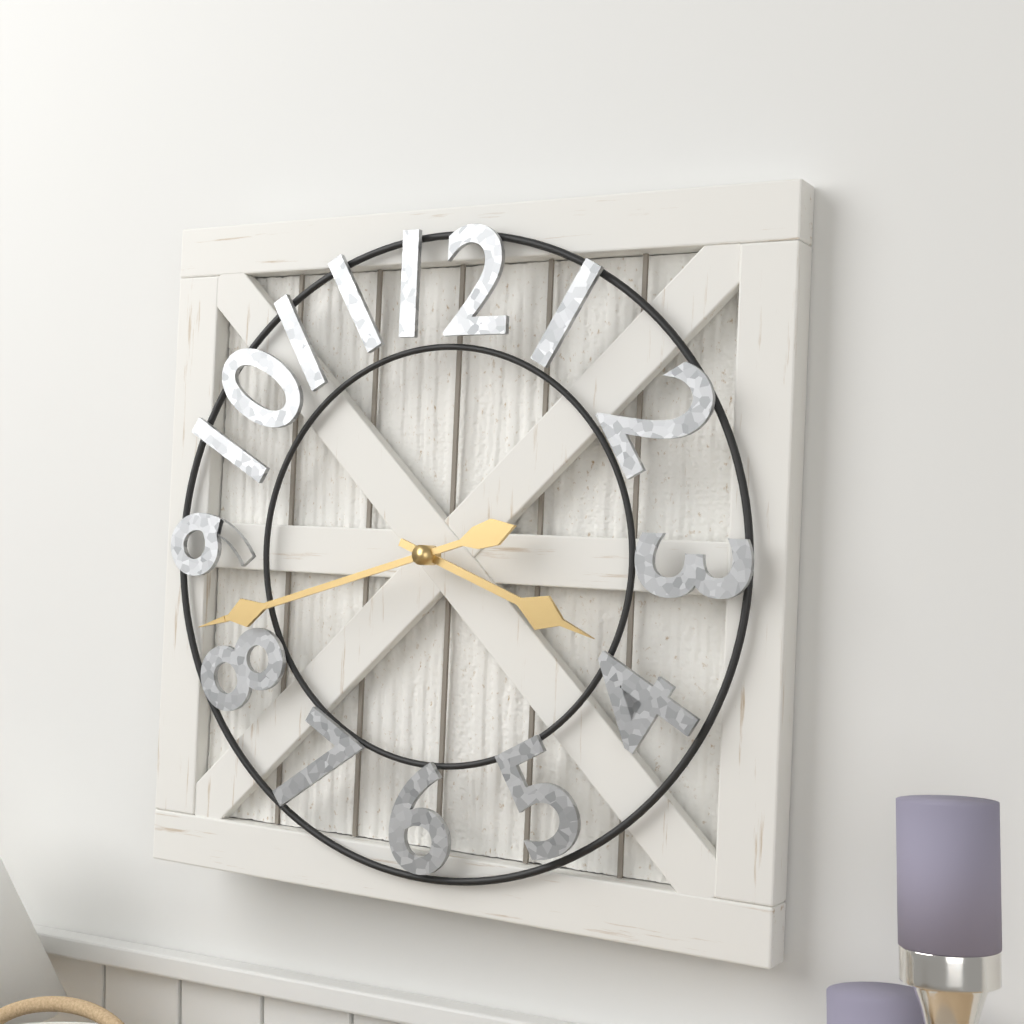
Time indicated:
3h42
